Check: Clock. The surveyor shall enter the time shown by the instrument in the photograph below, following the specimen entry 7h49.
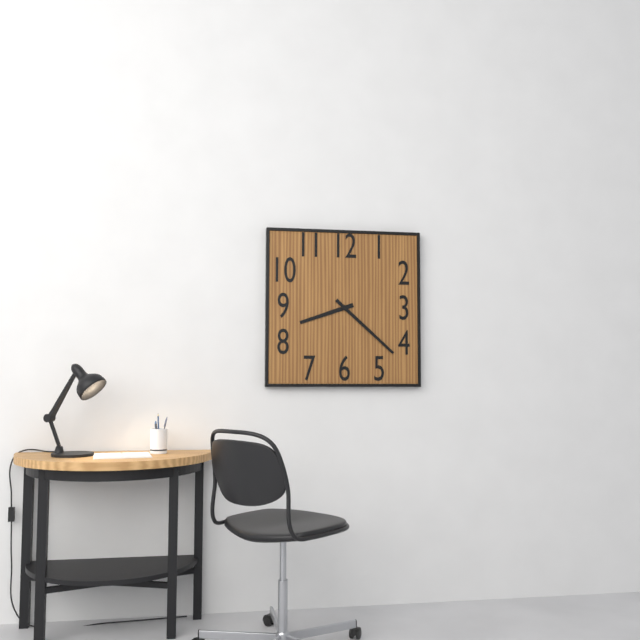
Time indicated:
8h22
